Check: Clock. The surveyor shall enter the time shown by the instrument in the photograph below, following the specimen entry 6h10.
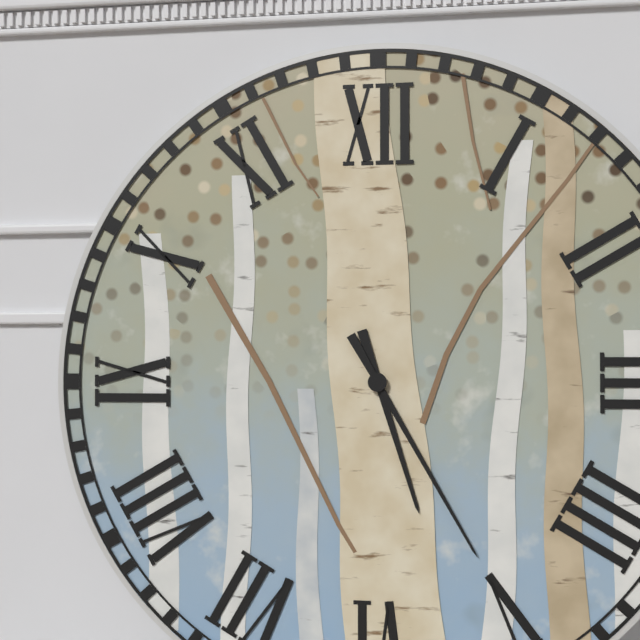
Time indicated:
5h25
